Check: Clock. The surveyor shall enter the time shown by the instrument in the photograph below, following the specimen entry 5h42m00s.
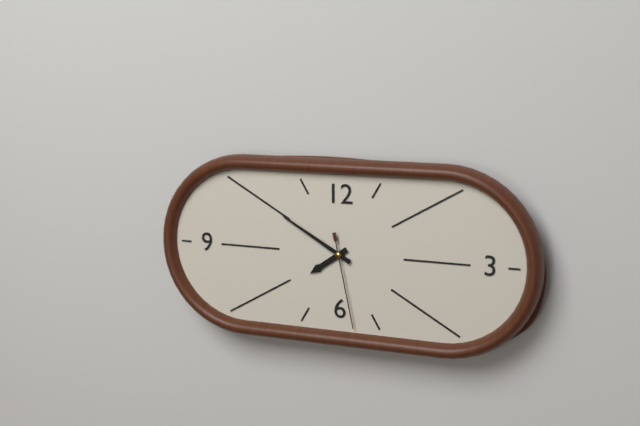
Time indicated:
7h50m28s
